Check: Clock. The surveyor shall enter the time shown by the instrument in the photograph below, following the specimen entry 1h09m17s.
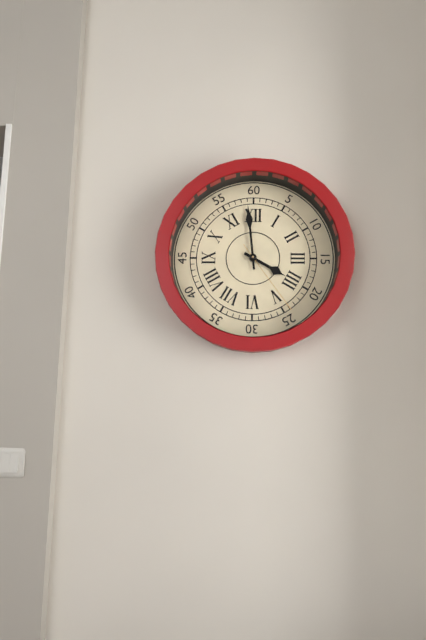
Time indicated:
3h59m24s
